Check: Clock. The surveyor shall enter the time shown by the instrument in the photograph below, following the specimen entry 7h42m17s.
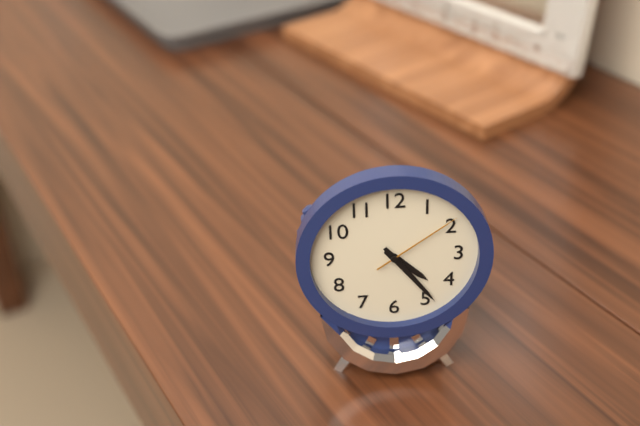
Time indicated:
4h24m09s
